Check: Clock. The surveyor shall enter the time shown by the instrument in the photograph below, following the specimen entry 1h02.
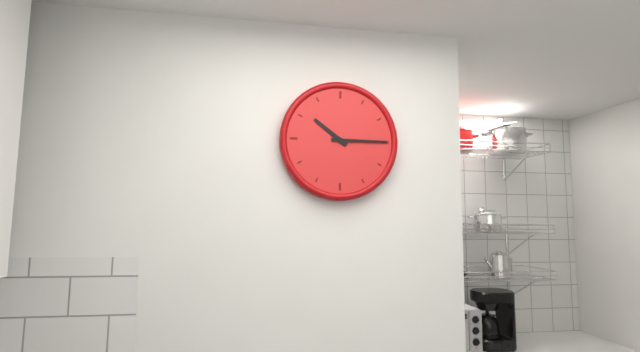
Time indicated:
10h15
